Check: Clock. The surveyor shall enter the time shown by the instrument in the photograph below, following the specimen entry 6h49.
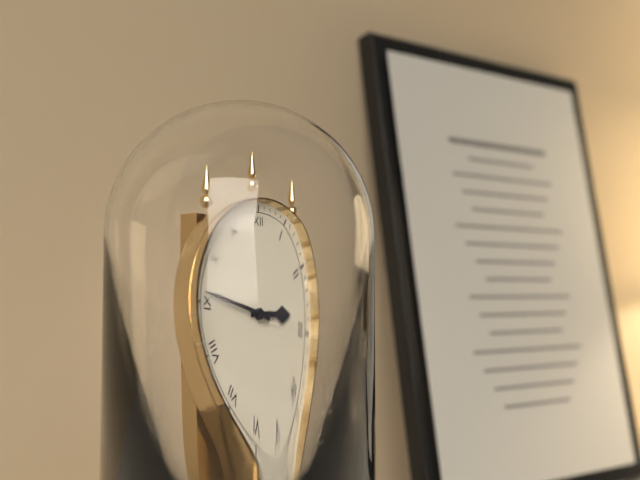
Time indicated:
2h46
